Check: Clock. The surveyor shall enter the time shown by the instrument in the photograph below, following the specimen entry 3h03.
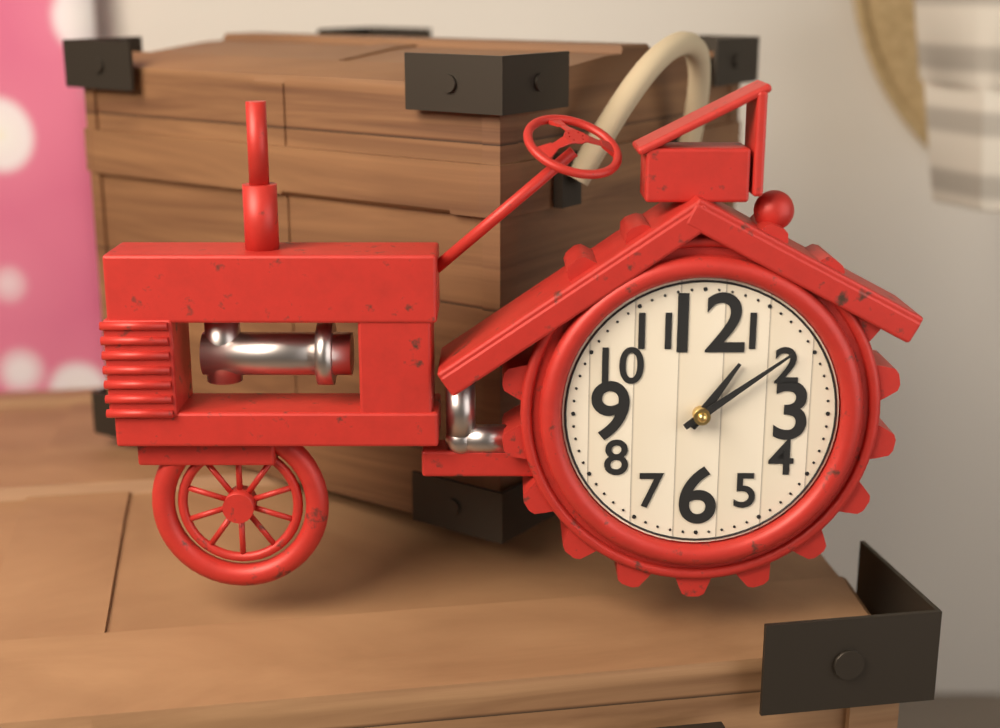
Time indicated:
1h09
